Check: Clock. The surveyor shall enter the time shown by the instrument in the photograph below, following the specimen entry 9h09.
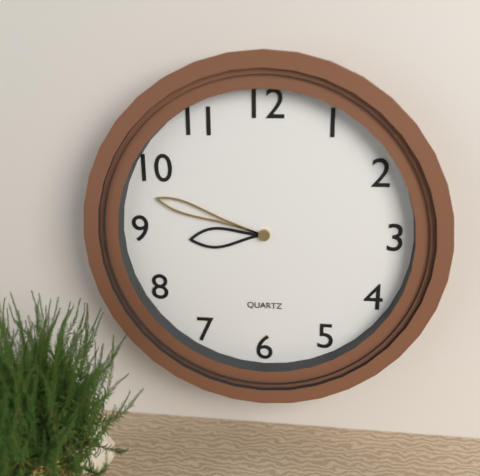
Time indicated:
8h48
